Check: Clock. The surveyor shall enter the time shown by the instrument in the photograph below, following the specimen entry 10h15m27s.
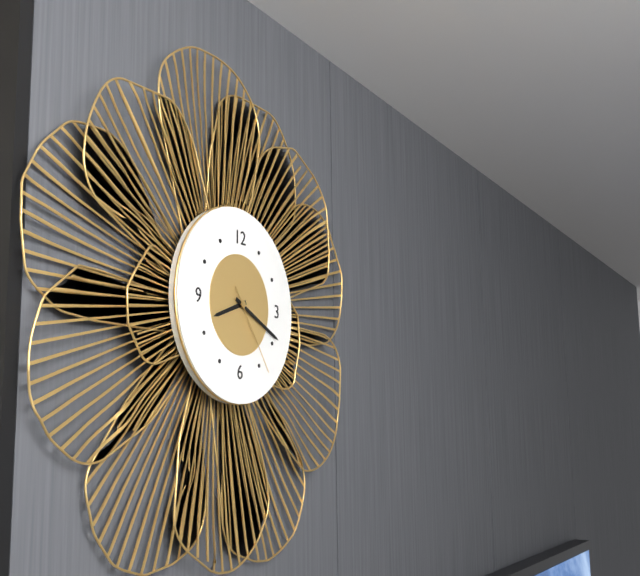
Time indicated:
8h19m24s
